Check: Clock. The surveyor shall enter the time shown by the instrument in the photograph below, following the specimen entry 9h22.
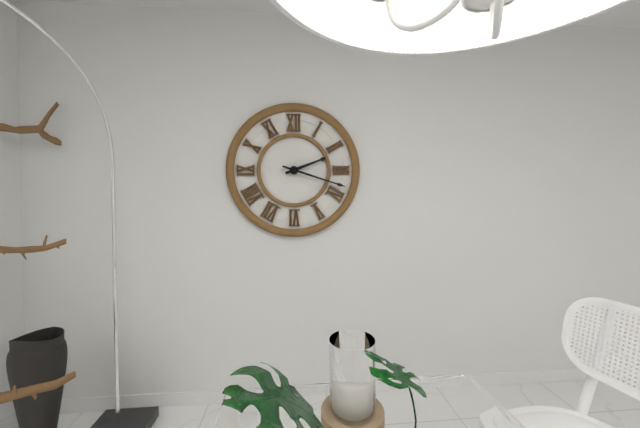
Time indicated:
2h18
